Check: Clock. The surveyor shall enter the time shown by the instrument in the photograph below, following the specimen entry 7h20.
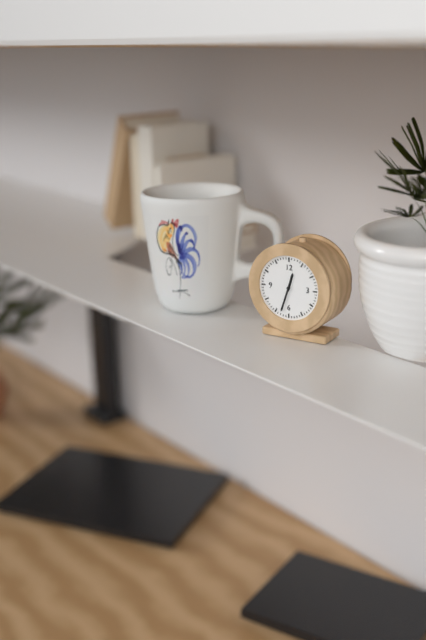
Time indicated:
12h33
